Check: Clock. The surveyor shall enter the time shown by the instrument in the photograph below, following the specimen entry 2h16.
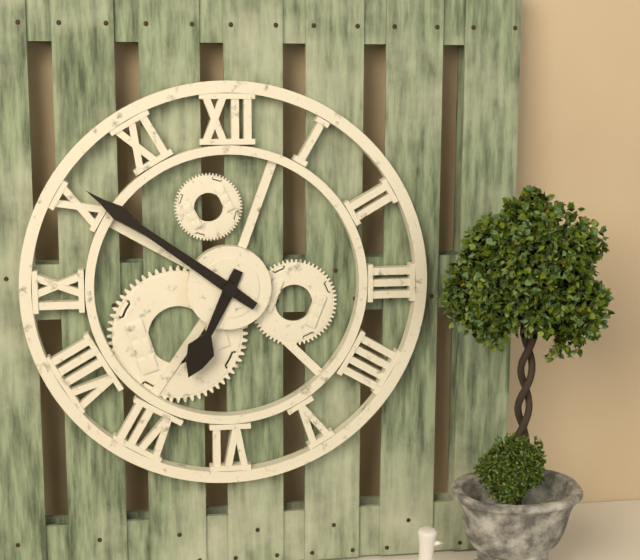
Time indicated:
6h51
